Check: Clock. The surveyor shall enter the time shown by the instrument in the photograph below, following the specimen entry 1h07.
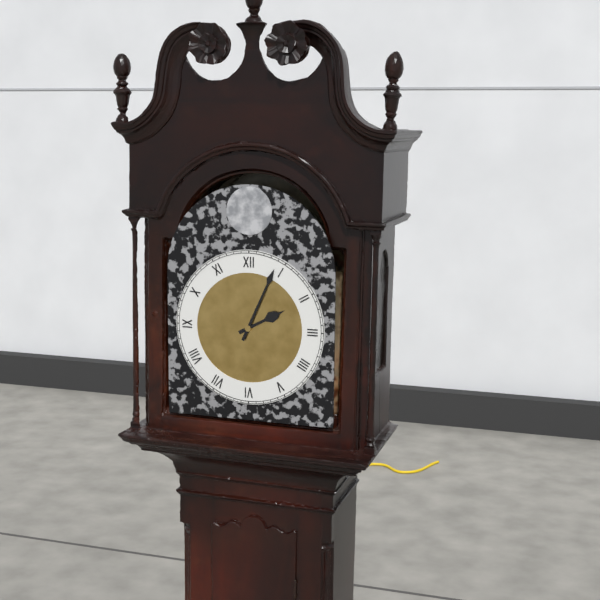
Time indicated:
2h04
